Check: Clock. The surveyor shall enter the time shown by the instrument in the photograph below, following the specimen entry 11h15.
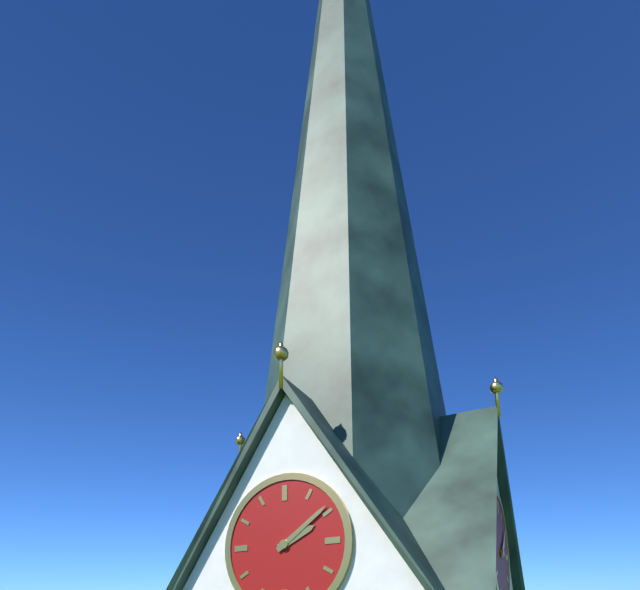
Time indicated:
2h09
